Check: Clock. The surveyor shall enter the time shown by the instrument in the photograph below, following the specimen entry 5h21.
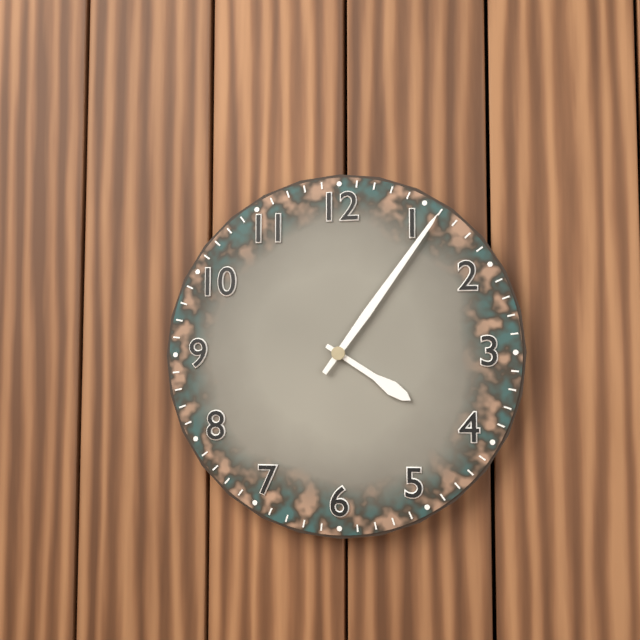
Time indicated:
4h06
